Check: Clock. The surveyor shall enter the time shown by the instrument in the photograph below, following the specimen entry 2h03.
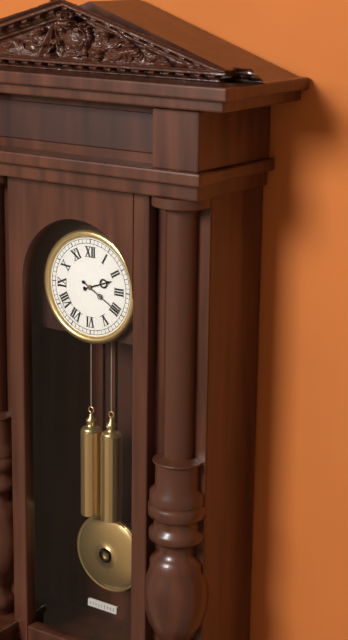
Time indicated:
2h20
